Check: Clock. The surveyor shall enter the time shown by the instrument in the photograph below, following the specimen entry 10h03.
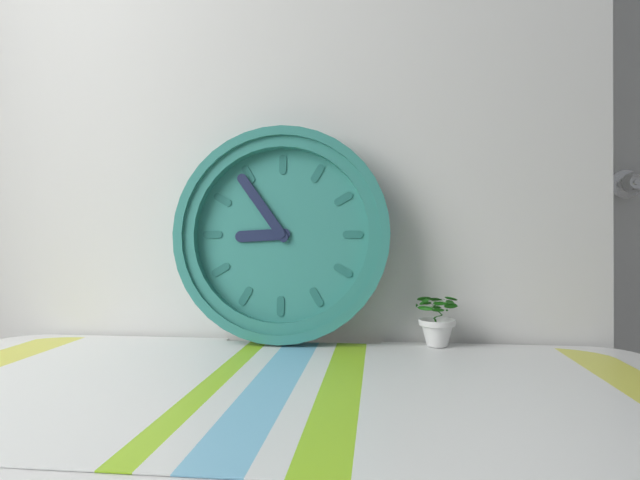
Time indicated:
8h54
